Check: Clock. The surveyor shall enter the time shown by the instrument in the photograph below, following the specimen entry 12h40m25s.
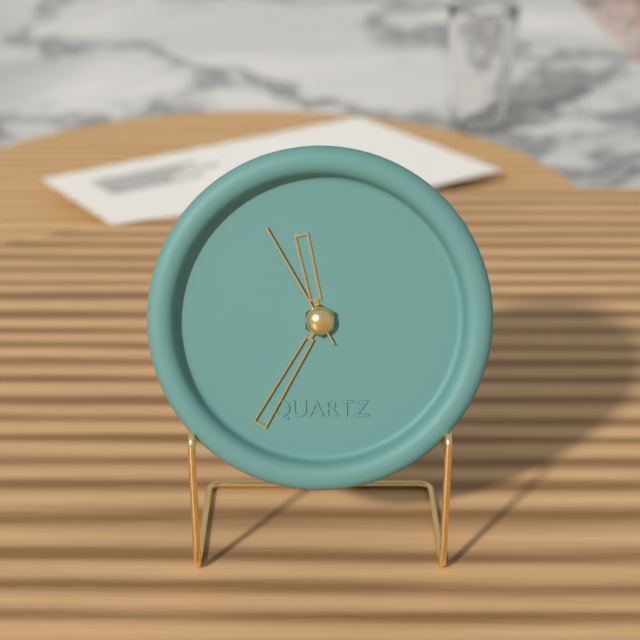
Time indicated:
11h35m55s
